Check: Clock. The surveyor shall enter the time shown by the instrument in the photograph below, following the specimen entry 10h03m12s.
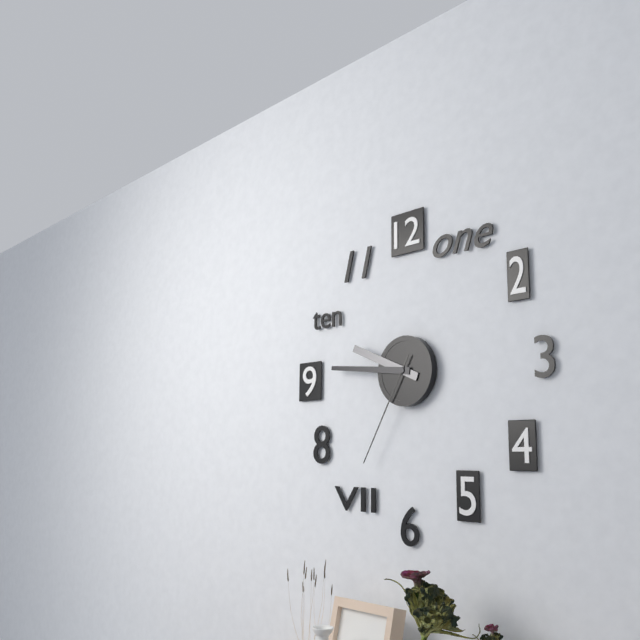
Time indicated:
9h46m35s
